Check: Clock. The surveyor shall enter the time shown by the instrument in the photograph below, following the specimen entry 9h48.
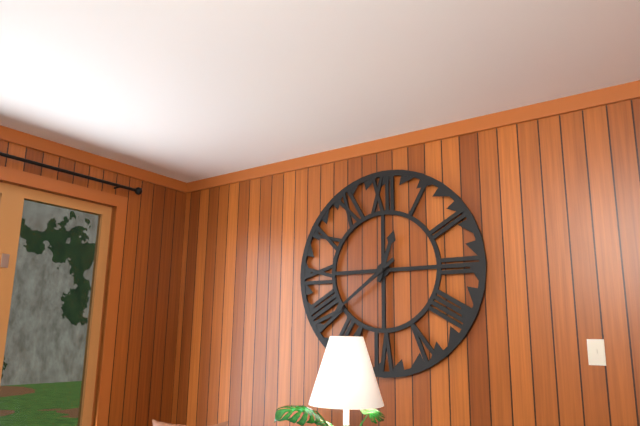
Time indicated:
12h39
